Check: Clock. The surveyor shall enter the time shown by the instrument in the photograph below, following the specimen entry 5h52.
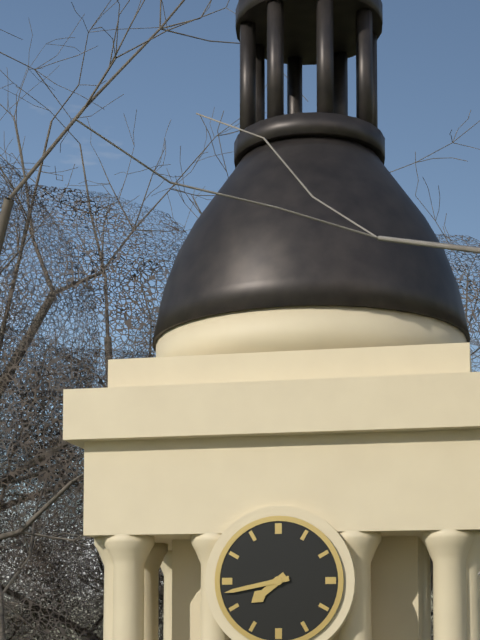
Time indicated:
7h43
